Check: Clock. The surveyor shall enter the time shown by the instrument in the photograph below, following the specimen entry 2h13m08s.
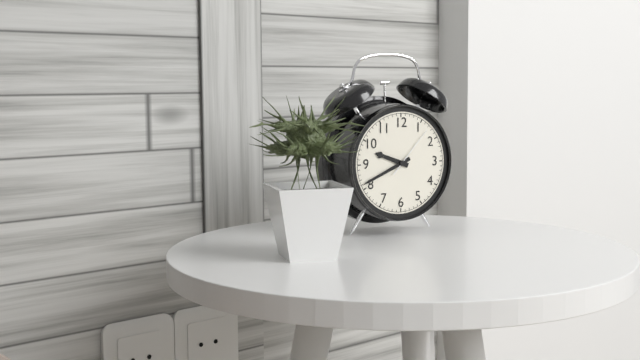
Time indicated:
9h41m07s
